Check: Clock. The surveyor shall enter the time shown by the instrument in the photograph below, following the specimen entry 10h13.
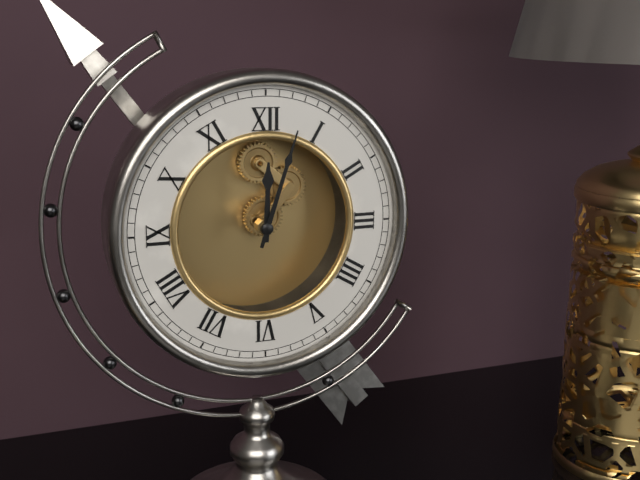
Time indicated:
12h03
